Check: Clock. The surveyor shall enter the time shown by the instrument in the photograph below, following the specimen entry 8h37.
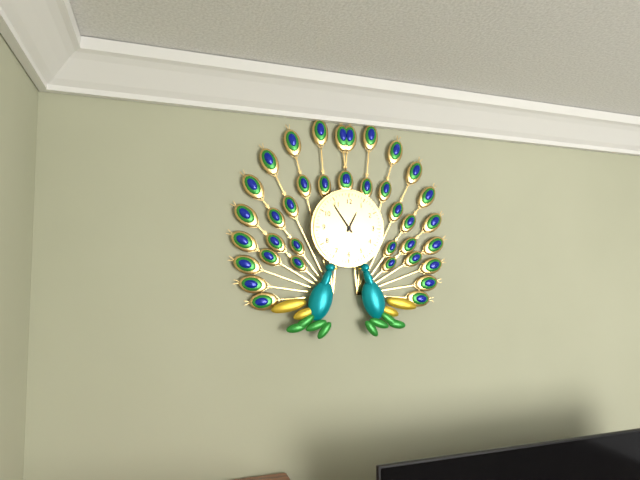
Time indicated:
12h54
